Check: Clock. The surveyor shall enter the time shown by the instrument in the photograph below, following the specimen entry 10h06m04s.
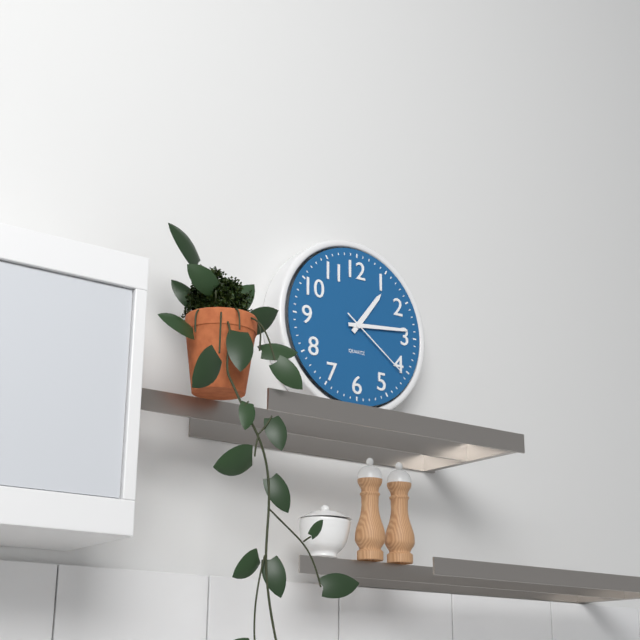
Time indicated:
1h14m21s
